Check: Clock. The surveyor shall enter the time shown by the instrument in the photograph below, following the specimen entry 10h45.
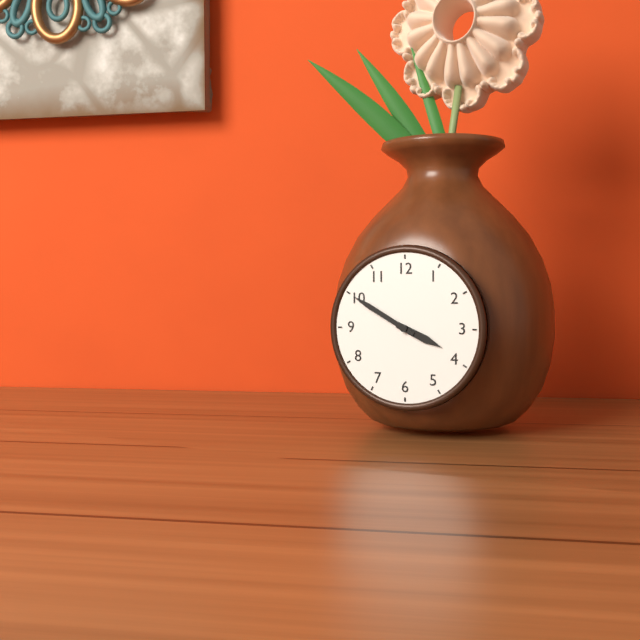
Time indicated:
3h50
